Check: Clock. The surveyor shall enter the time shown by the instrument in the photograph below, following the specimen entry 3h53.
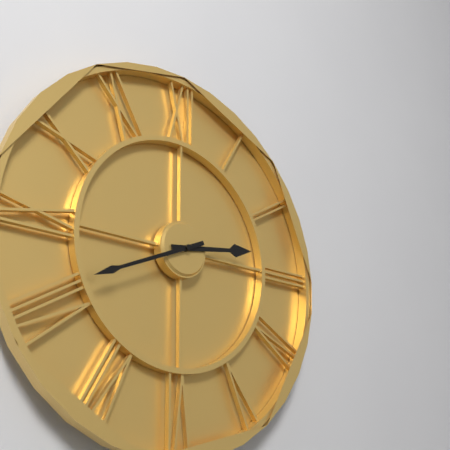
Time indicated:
2h41
